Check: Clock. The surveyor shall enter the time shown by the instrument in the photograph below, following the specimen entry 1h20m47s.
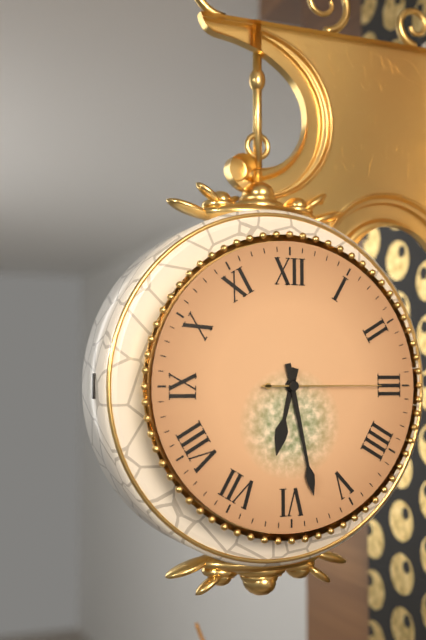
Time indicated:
6h28m15s
